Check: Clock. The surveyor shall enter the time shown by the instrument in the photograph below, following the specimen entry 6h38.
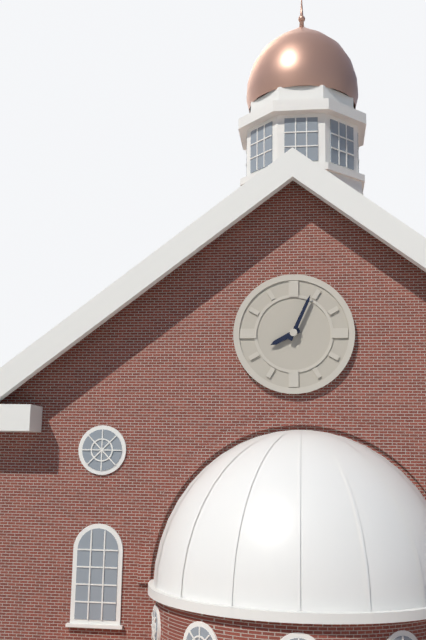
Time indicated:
8h04
